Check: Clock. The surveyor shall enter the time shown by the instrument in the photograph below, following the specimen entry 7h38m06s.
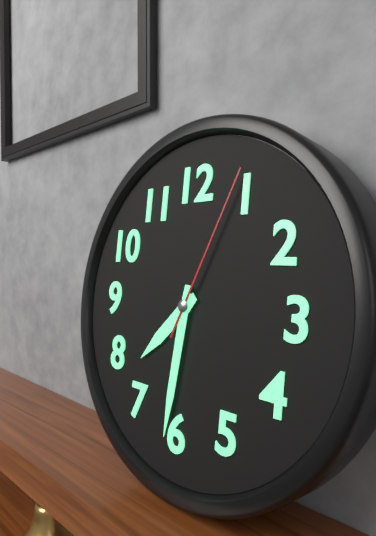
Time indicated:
7h31m04s
